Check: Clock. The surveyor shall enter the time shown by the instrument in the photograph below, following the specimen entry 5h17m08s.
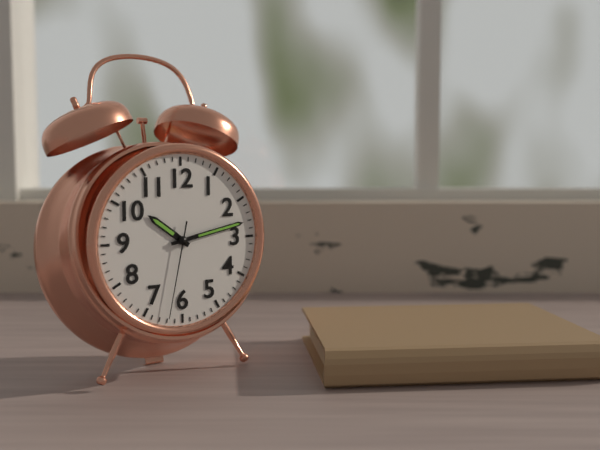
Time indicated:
10h13m32s
